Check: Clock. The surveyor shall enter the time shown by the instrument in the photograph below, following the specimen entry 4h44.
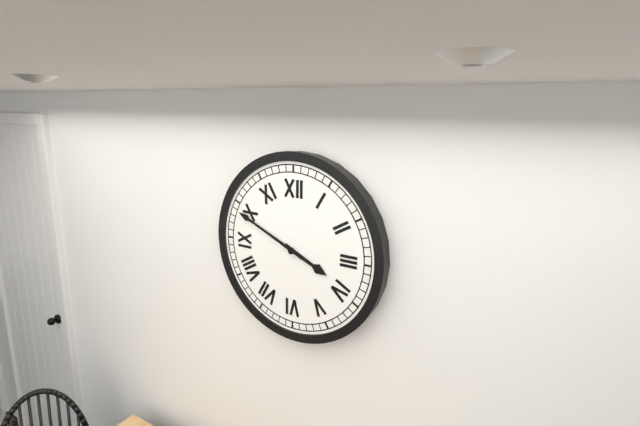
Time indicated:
3h49
